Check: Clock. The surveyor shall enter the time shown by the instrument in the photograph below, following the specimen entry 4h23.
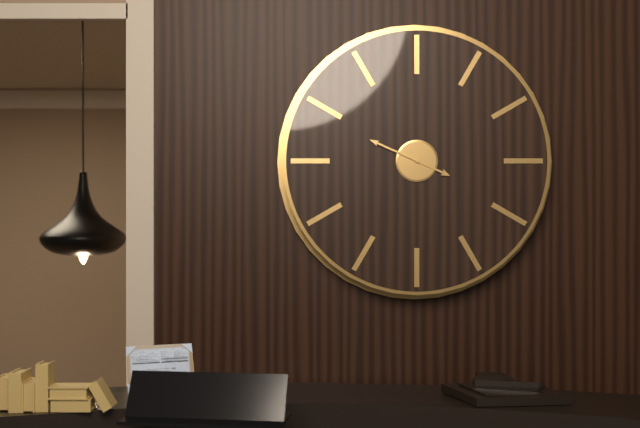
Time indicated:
3h49
